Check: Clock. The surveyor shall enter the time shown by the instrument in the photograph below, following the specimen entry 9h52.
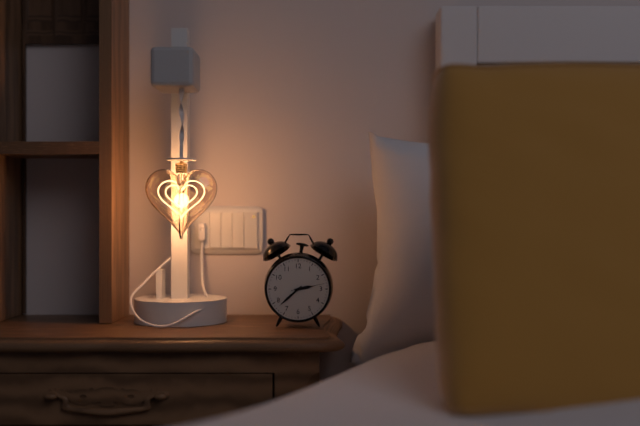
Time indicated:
2h38
